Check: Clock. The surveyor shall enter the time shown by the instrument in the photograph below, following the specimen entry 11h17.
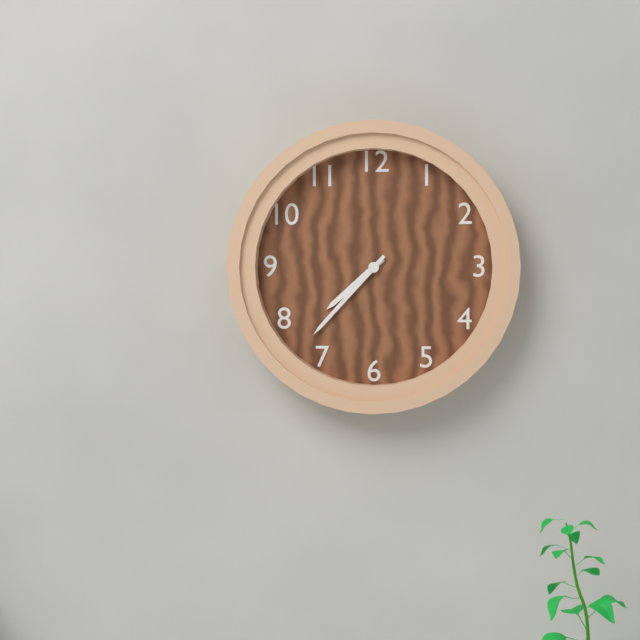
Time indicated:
7h37
